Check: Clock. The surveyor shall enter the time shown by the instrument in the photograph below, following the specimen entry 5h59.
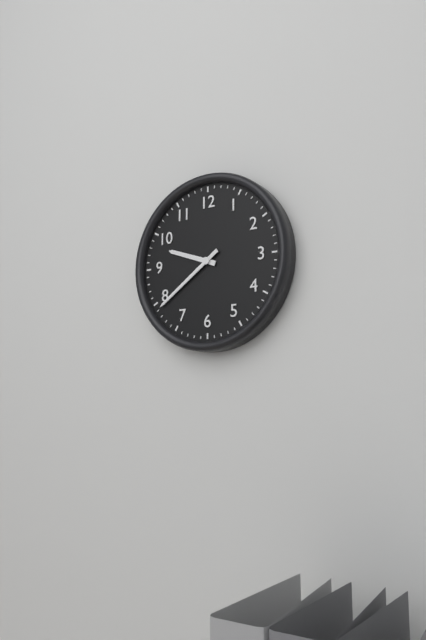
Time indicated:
9h39
